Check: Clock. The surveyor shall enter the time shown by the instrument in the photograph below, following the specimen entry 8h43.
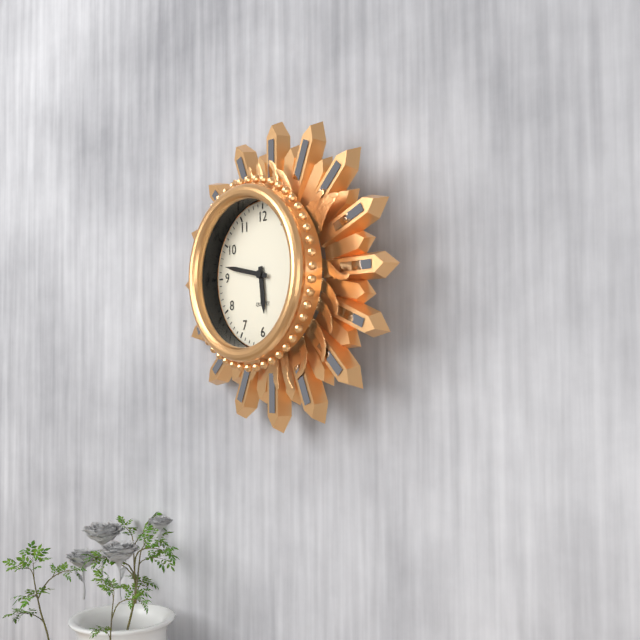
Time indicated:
5h47
